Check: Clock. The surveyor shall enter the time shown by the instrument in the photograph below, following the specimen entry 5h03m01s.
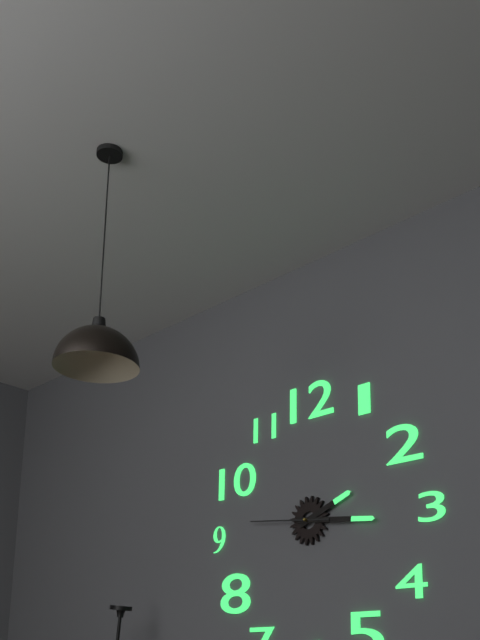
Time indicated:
2h16m46s
